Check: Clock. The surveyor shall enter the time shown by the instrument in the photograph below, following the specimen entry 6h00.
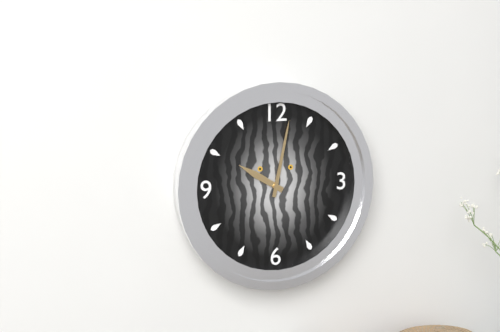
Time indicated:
10h02
